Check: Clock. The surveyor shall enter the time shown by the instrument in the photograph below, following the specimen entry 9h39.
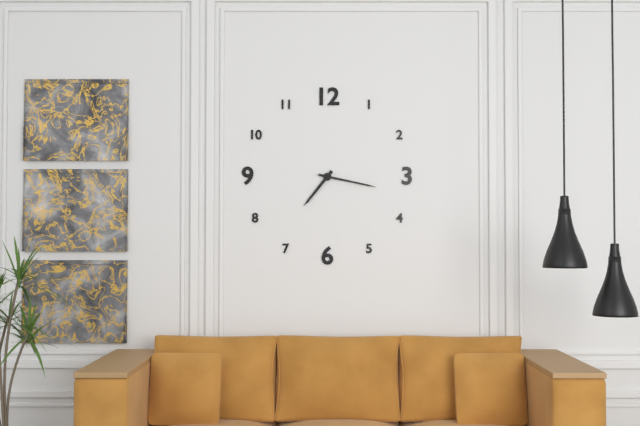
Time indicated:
7h17
